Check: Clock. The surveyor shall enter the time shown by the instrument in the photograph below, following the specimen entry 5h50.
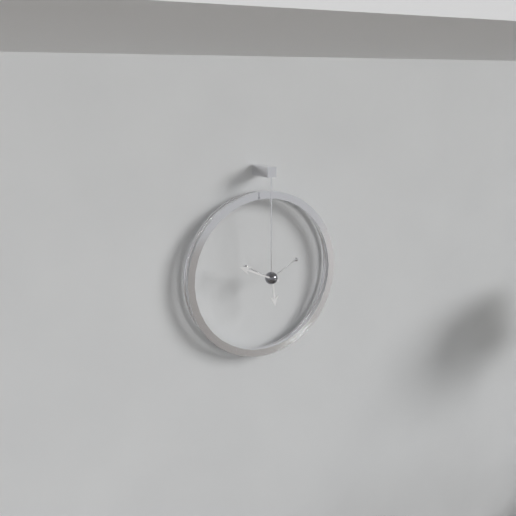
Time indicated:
5h49
